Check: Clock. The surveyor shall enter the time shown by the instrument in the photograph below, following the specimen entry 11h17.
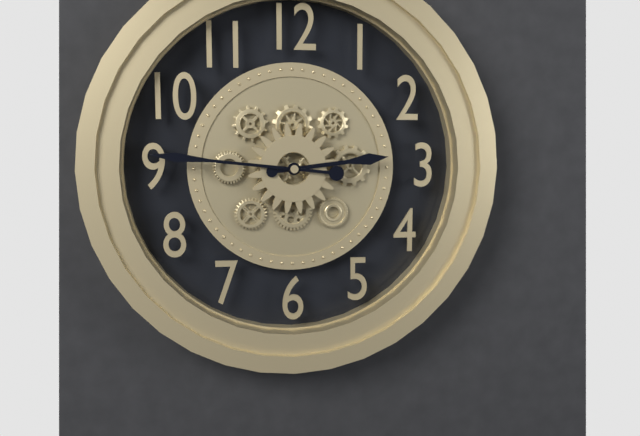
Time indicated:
2h46
